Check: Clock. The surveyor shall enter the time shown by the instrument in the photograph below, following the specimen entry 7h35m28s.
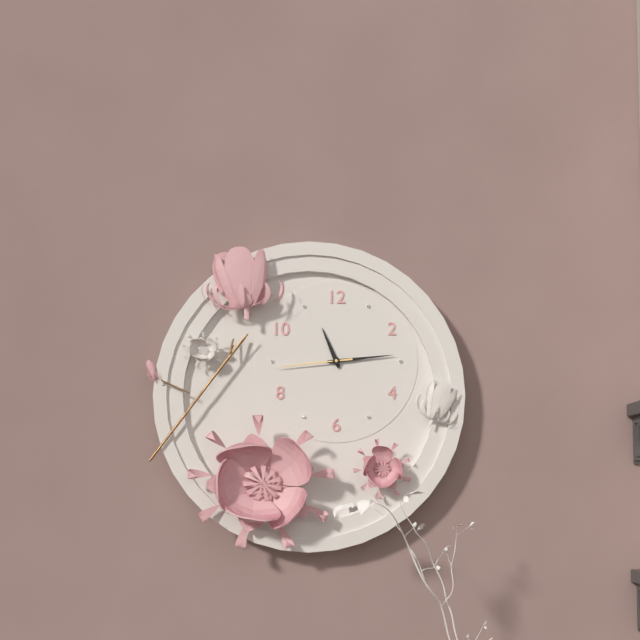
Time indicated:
11h14m44s
